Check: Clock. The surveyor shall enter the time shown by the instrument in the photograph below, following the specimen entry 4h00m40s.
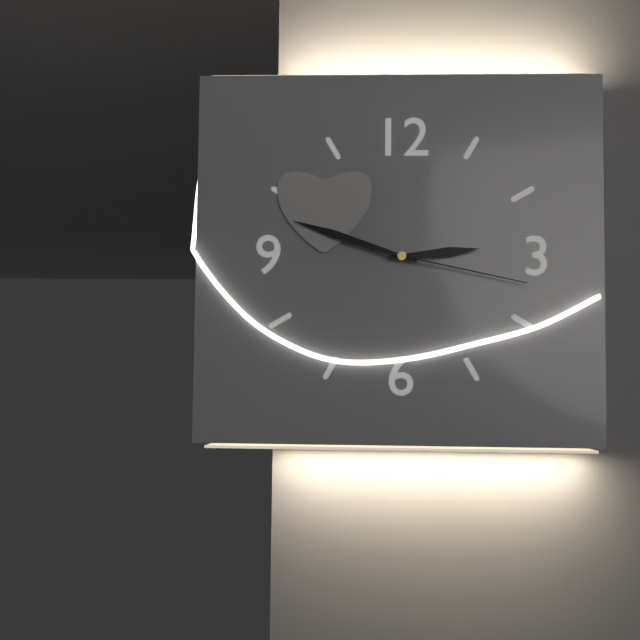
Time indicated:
2h48m17s
